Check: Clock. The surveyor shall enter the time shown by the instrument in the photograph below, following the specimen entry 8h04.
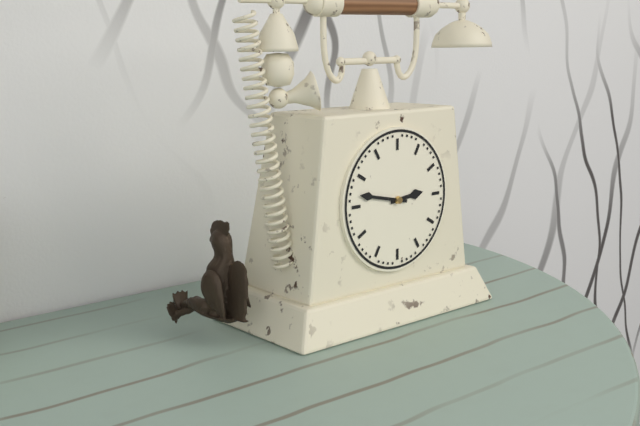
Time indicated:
2h47
